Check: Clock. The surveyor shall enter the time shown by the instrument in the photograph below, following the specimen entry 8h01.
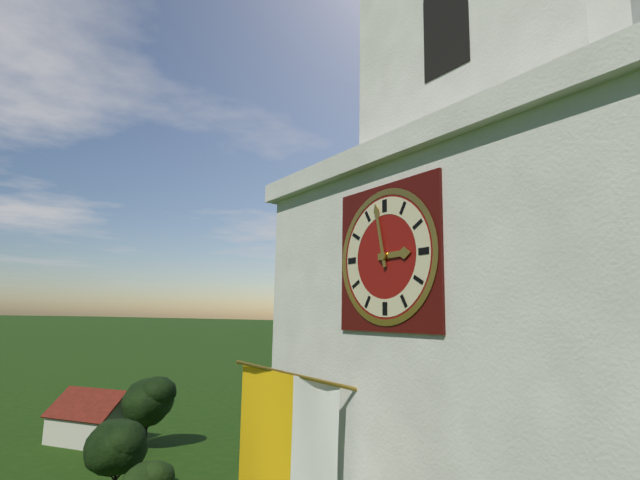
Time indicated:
2h58
